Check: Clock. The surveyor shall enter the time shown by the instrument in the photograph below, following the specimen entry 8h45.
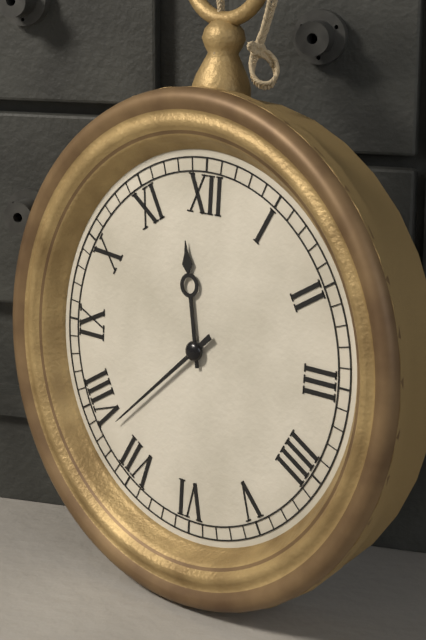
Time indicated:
11h38
